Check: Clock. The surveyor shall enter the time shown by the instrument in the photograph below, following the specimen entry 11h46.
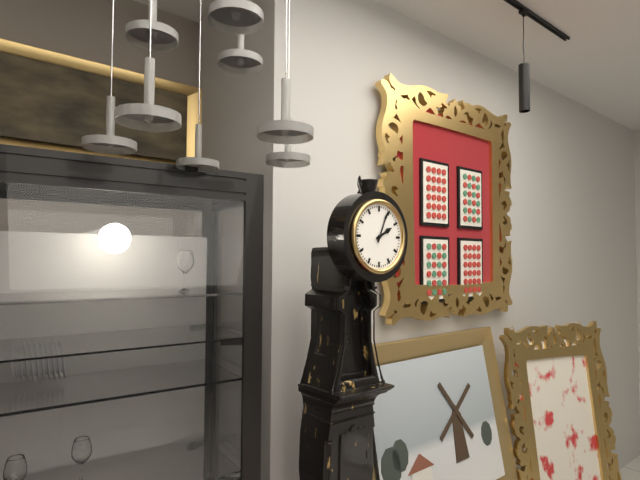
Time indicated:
2h04
